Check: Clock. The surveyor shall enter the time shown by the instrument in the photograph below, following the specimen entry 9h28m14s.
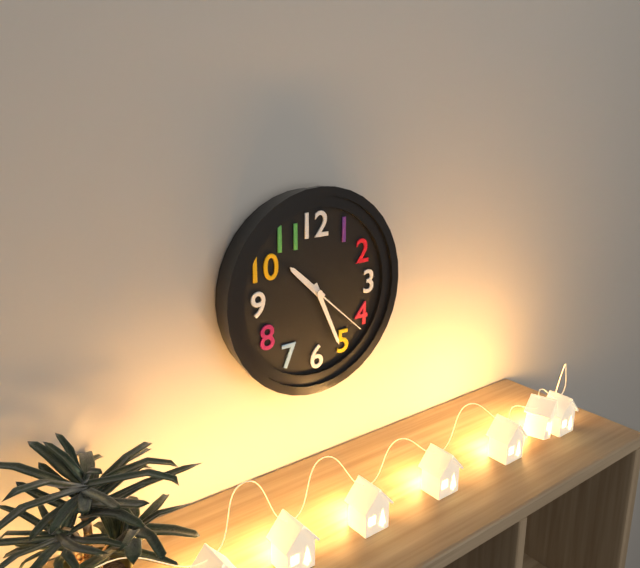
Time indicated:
10h26m22s
